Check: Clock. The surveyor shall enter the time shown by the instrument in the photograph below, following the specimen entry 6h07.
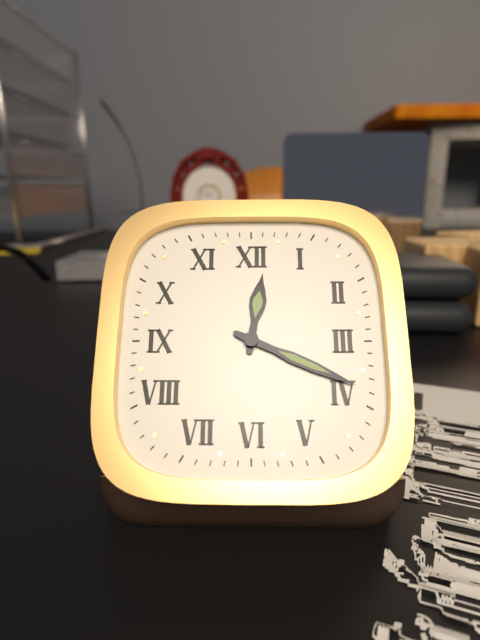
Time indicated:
12h19
